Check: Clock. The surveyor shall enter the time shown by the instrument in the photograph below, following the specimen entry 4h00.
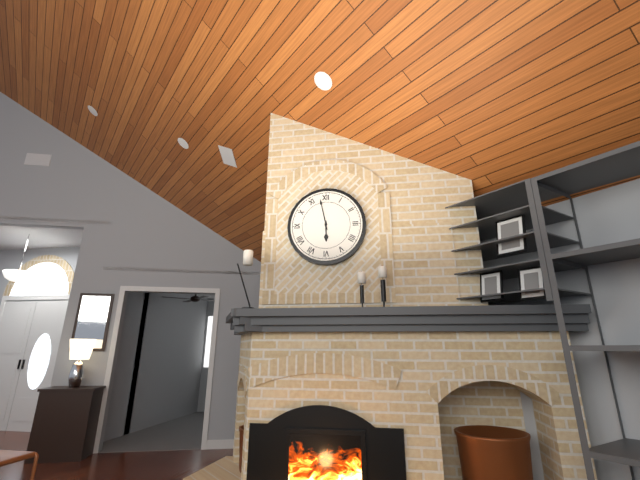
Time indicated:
5h58
